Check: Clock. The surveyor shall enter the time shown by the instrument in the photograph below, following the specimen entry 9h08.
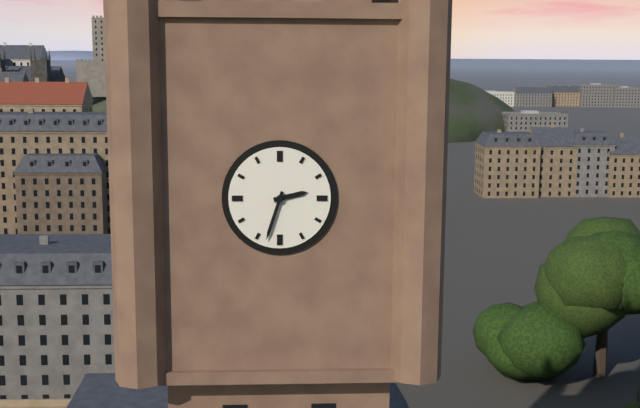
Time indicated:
2h33
